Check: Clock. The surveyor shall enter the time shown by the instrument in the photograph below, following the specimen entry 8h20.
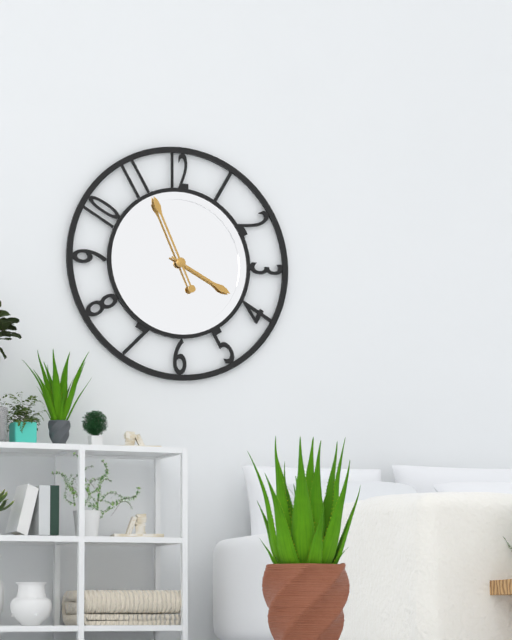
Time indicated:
3h56
